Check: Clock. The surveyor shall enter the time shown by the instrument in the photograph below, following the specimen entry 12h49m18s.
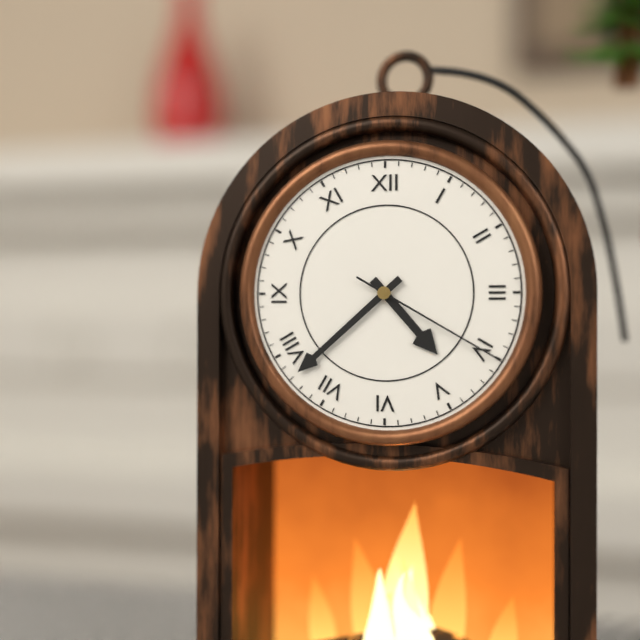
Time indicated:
4h38m20s
